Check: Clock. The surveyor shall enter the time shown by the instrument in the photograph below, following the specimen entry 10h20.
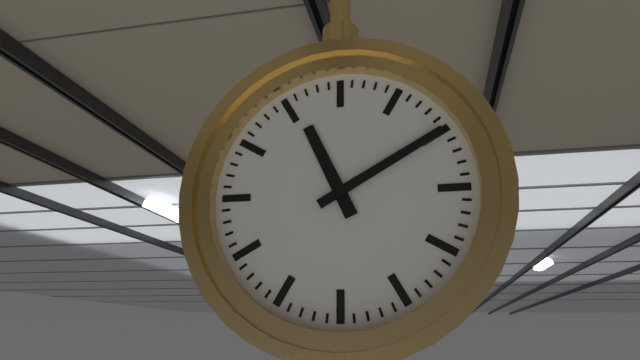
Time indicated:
11h10
